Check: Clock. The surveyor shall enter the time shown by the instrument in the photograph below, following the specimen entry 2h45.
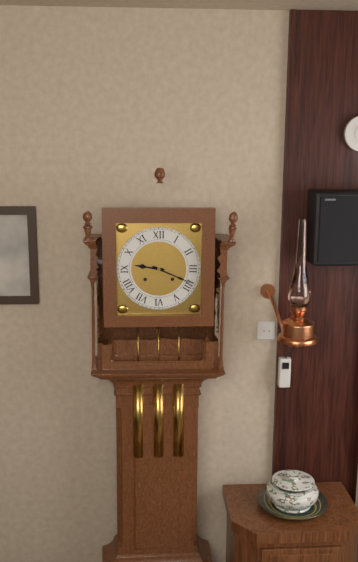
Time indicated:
9h19
